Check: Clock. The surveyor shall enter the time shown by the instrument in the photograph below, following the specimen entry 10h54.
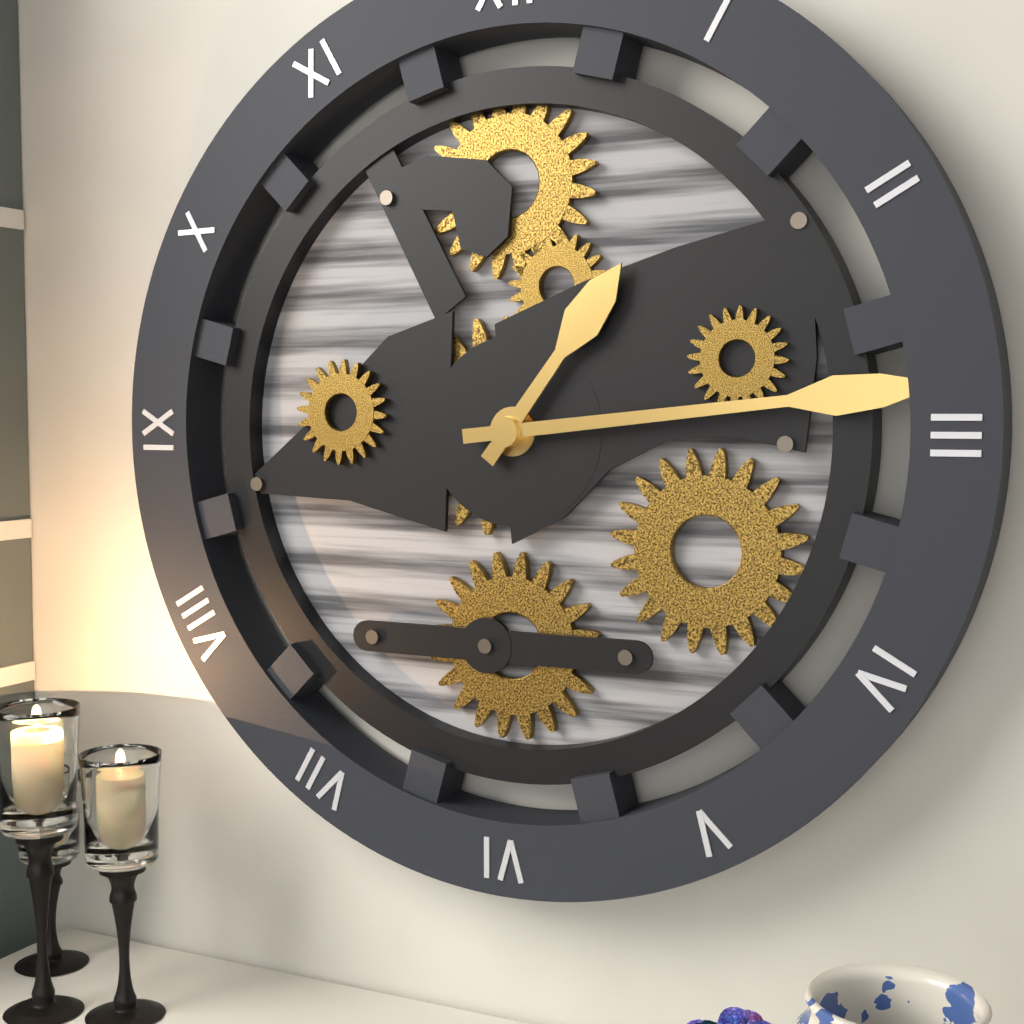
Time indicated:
1h14
